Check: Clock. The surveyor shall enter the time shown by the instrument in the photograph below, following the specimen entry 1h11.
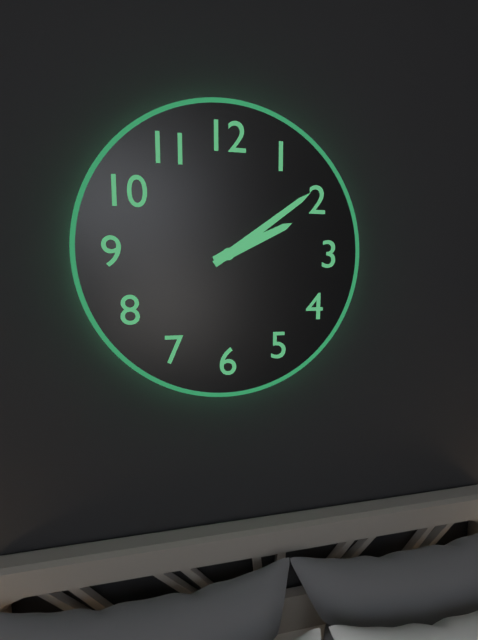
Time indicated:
2h09
